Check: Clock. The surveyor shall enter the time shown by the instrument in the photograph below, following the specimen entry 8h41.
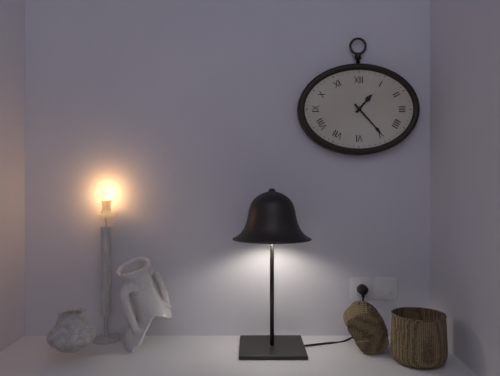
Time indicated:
1h23
